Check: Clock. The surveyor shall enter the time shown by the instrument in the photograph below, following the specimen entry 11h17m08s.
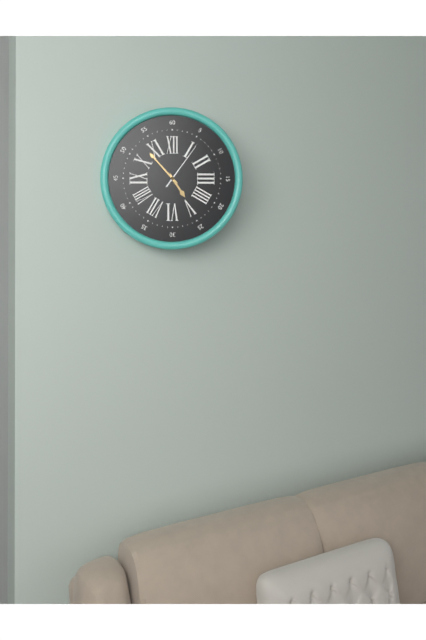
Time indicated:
4h53m06s
